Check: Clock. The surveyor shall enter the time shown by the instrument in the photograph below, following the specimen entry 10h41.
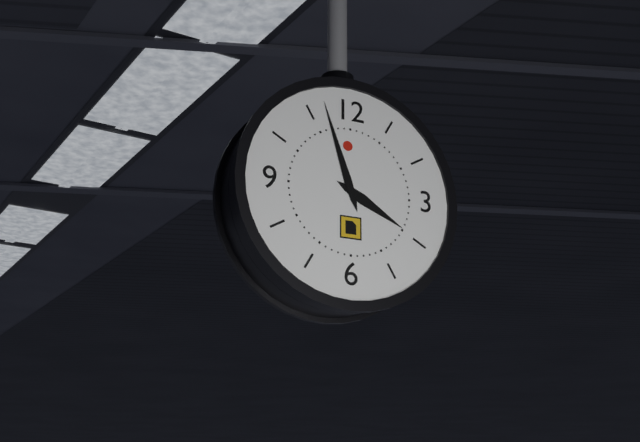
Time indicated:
3h57
